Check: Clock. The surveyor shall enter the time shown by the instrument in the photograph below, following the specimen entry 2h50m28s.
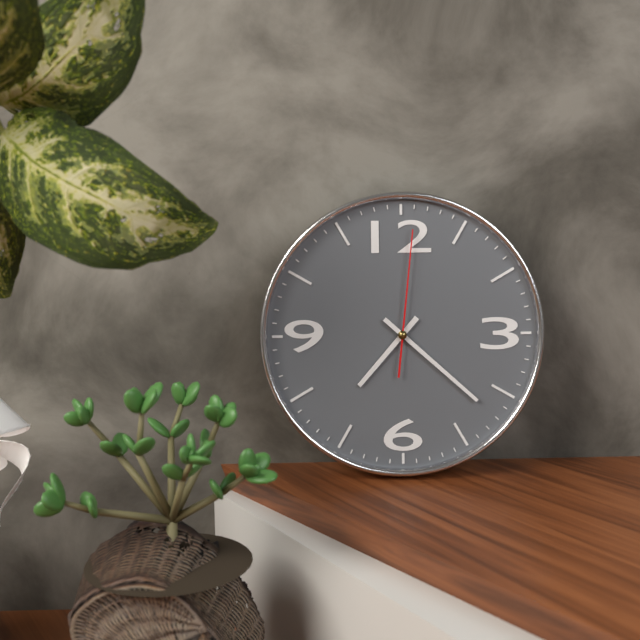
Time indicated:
7h22m01s
